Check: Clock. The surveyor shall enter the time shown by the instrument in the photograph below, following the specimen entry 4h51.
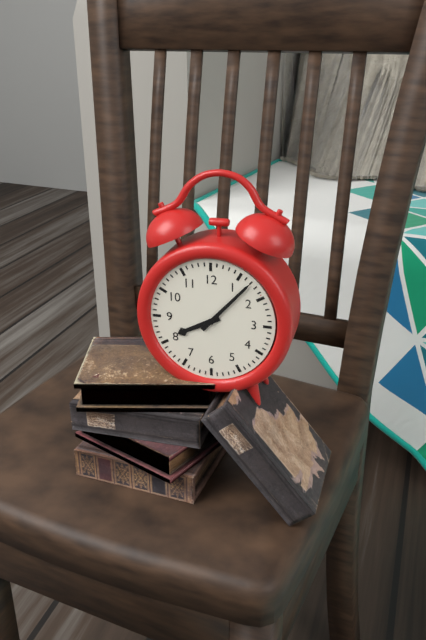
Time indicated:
8h07
